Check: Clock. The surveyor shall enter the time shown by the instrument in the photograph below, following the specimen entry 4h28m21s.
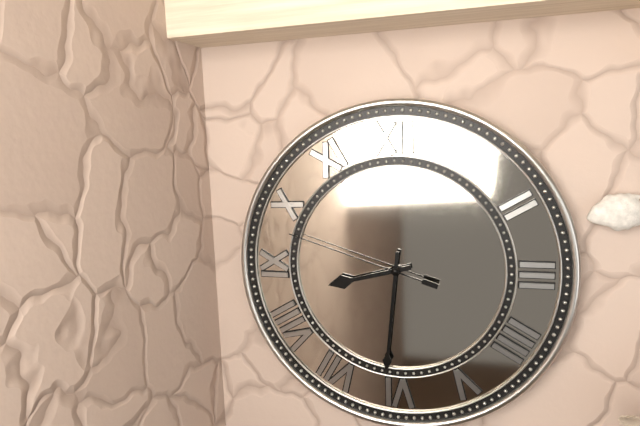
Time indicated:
8h31m48s
